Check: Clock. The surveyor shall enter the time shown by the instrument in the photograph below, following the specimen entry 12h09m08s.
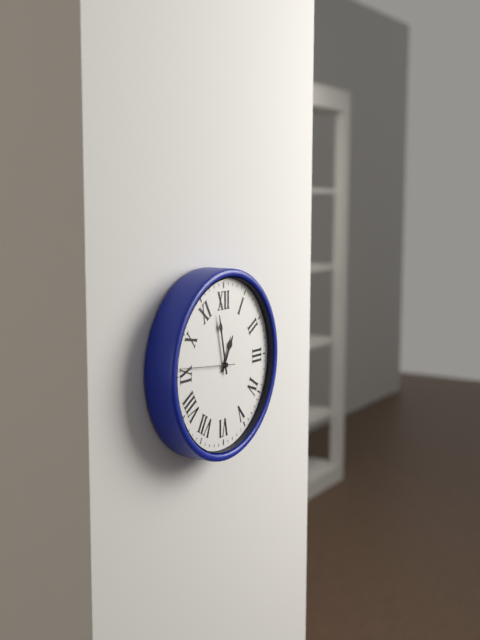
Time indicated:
12h58m46s
